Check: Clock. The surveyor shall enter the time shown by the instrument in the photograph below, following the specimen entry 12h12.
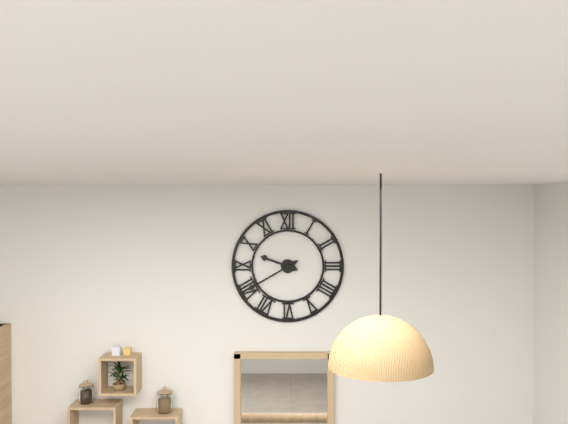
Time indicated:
9h40
